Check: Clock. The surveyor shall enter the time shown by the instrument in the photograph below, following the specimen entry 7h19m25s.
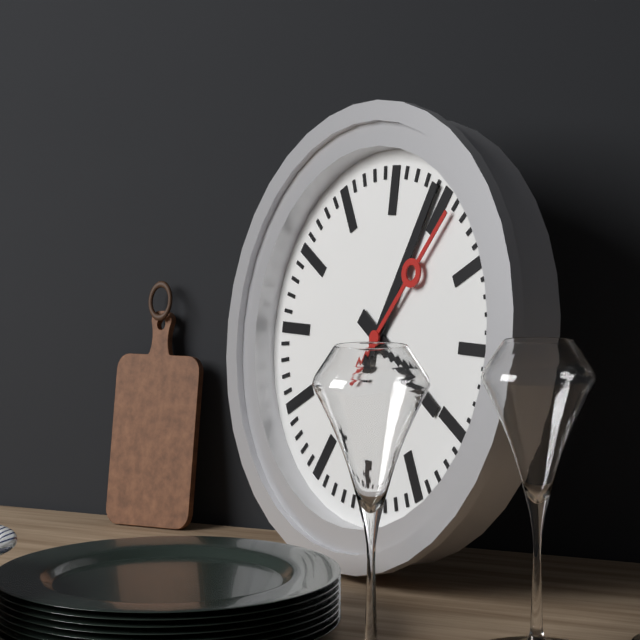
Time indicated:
4h04m06s
